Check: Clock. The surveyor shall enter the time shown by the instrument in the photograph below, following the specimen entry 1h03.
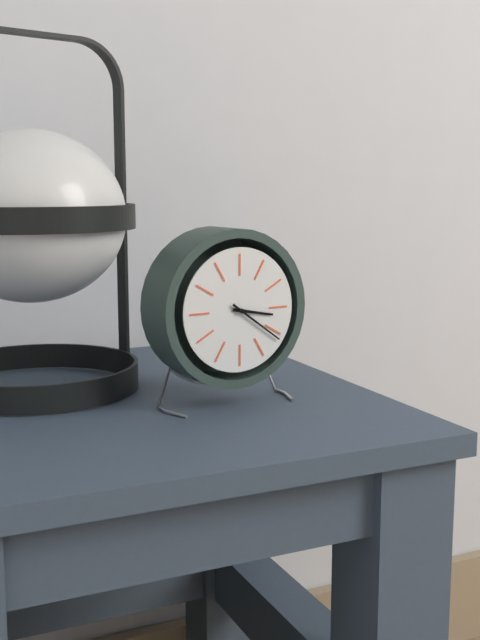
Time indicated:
3h21
